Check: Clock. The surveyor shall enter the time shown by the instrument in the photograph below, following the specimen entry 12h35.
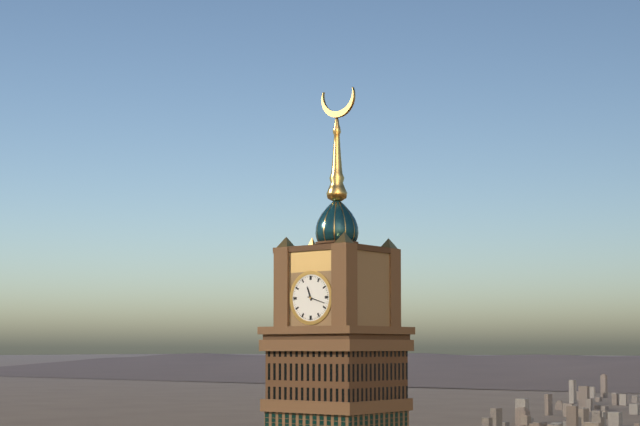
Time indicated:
11h18
